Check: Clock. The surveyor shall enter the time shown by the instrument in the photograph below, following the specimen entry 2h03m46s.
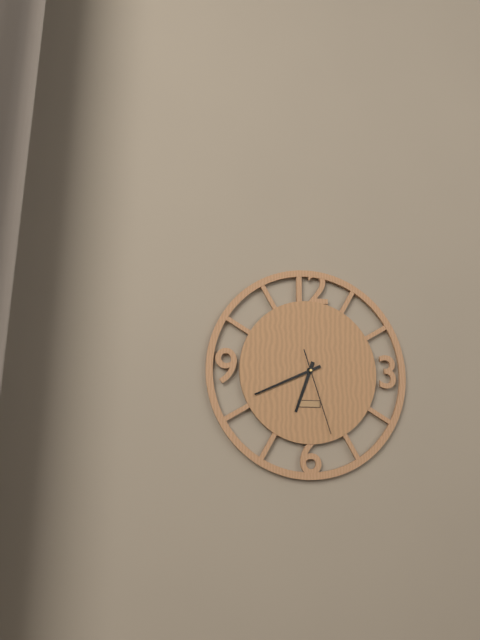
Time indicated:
6h41m27s
